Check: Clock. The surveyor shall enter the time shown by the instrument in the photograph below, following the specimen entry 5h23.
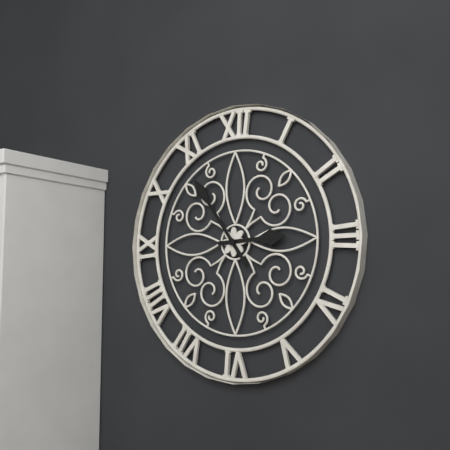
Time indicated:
2h54
